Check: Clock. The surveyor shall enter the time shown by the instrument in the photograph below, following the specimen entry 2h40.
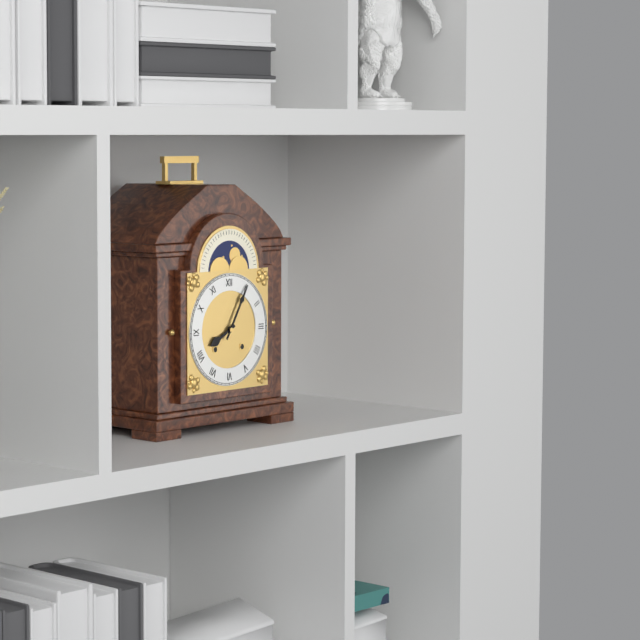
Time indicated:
8h05
